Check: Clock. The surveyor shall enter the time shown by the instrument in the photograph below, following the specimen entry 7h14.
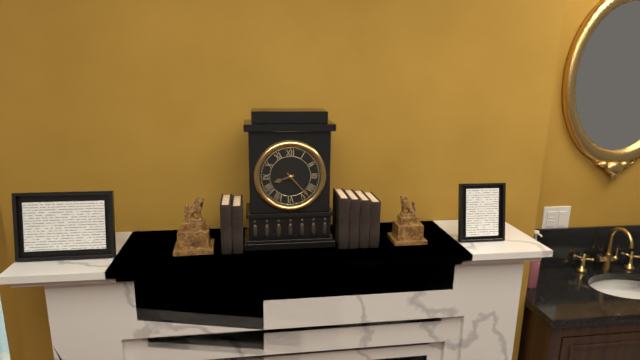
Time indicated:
8h23
